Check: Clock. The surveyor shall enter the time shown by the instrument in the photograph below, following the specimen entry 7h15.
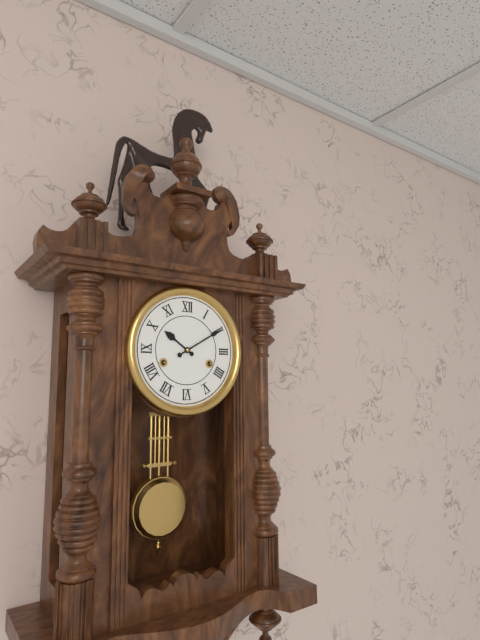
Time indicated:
10h10
